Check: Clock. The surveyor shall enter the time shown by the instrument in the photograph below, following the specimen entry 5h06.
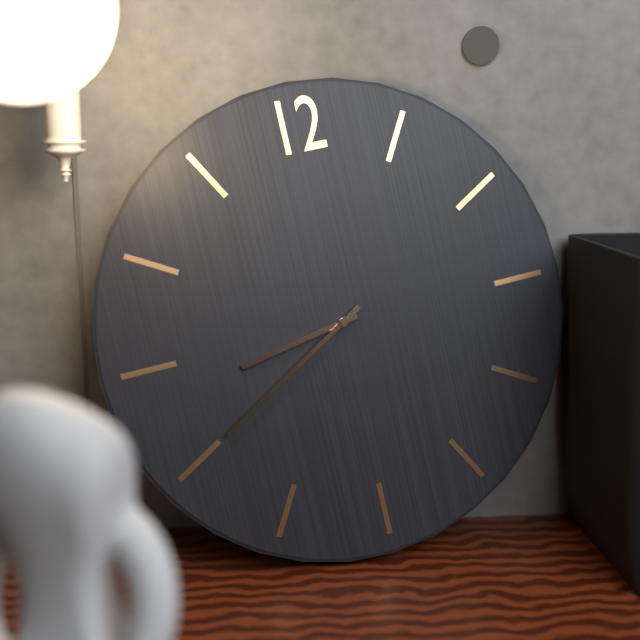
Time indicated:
8h40
